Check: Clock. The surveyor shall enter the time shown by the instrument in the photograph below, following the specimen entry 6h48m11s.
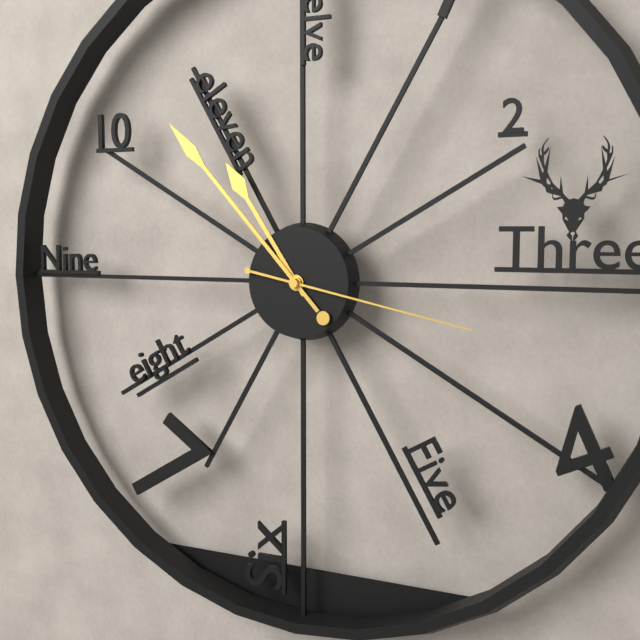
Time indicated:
10h53m17s
